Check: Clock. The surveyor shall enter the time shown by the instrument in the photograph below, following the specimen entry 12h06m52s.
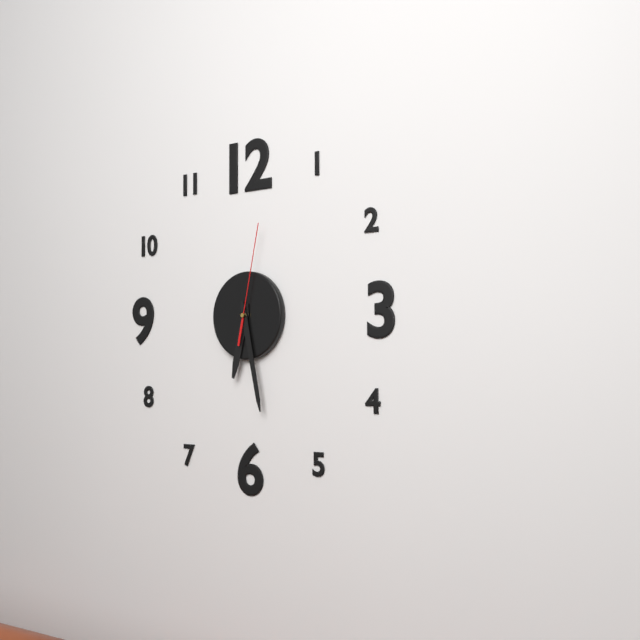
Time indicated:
6h28m02s
